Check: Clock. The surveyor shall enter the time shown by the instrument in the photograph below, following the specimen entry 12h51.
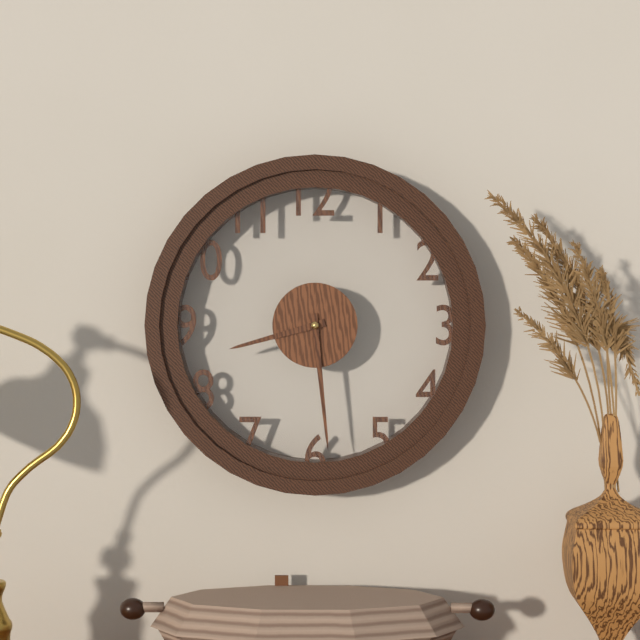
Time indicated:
8h29
